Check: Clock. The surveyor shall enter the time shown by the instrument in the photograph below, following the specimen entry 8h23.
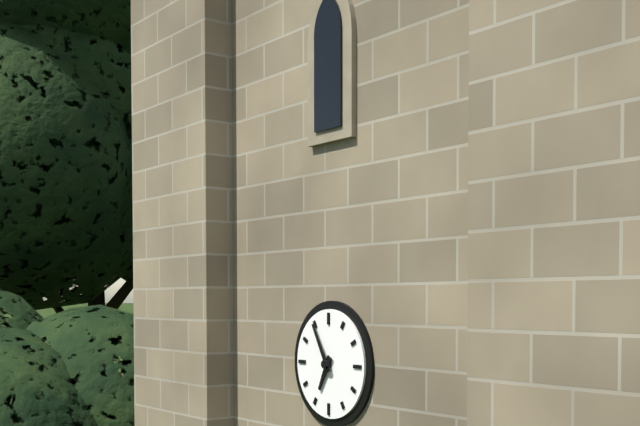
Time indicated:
6h55
